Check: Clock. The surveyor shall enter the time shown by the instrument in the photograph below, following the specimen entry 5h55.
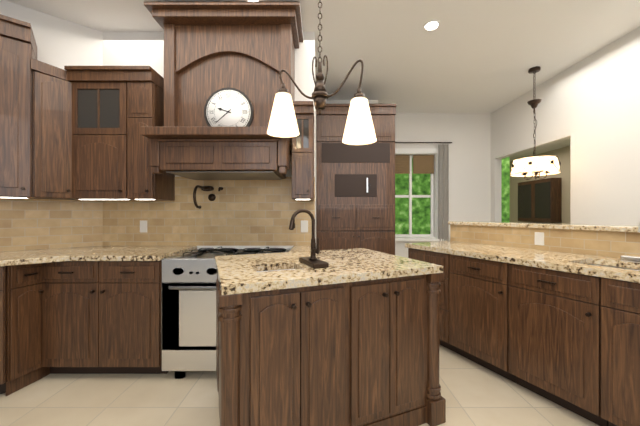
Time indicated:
9h38
